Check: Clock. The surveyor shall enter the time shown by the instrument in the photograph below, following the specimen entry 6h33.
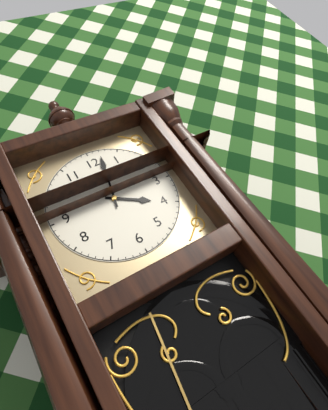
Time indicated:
4h02
